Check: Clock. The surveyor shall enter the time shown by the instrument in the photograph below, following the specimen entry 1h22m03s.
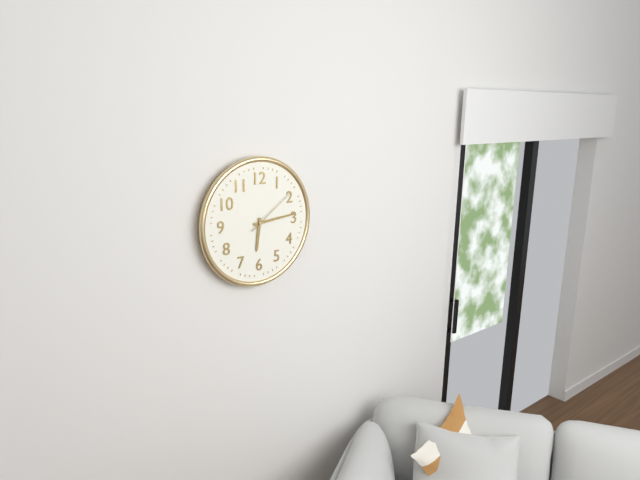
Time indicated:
6h14m09s
